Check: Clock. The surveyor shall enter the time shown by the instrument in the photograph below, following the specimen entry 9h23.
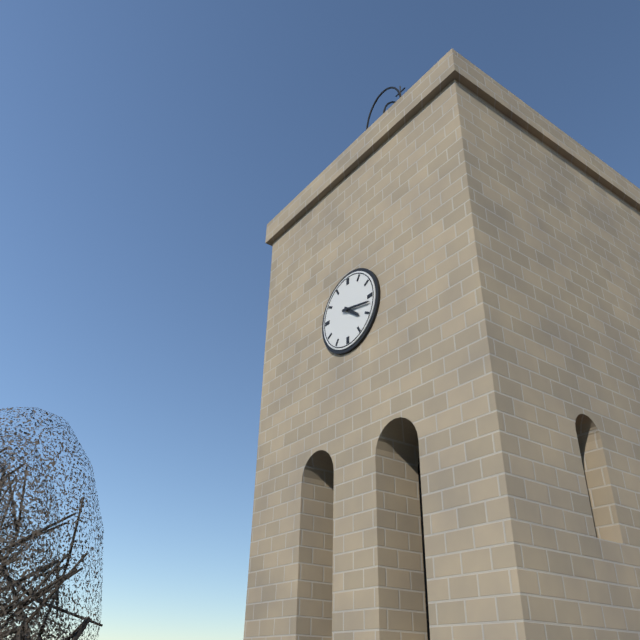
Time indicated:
4h17
